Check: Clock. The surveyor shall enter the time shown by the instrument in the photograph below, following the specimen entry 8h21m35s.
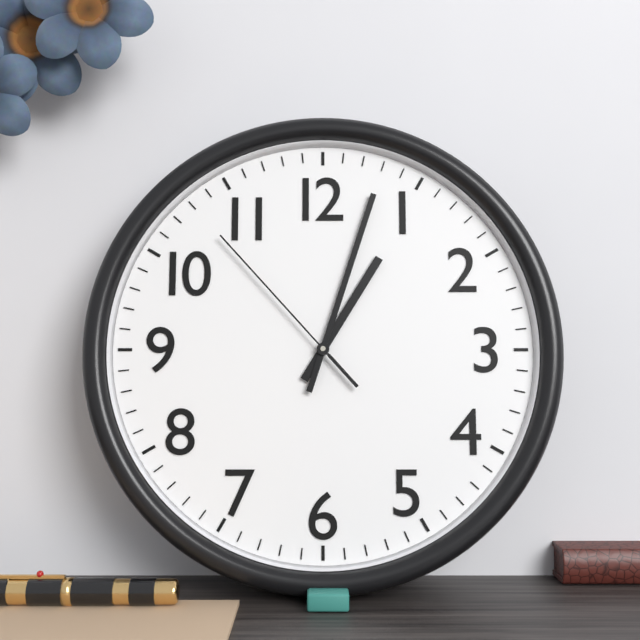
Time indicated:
1h03m53s
